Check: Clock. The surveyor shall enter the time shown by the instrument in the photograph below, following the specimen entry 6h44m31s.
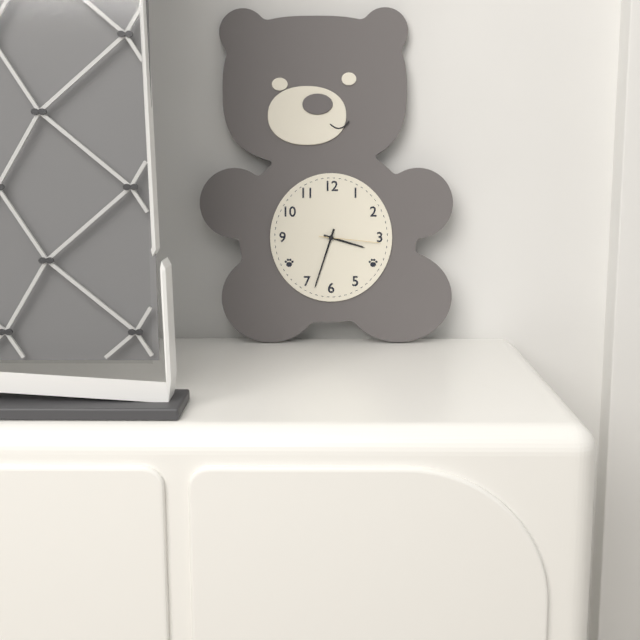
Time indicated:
3h33m16s
